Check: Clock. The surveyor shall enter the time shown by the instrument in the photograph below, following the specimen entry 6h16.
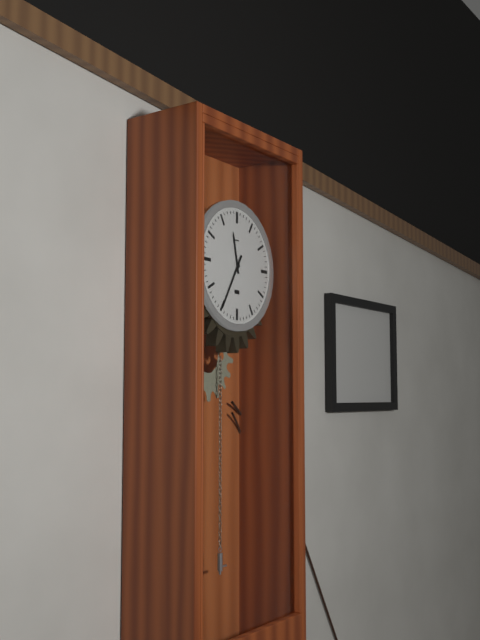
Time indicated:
11h35
